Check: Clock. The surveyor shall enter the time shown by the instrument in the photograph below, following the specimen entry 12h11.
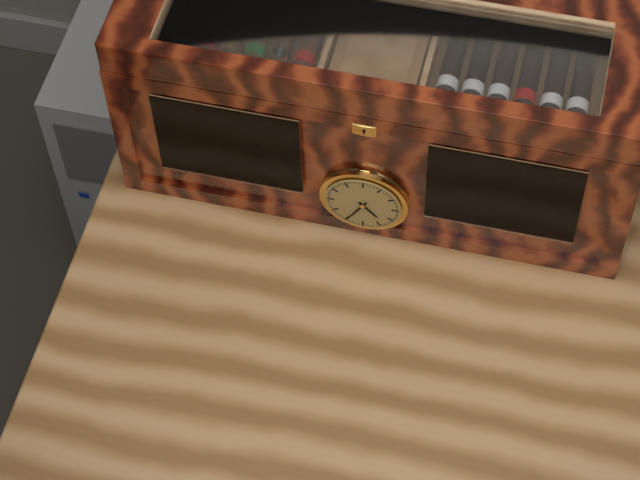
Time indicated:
4h35
